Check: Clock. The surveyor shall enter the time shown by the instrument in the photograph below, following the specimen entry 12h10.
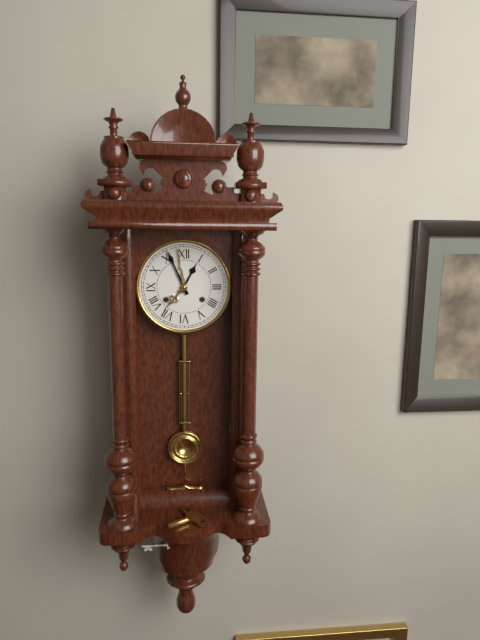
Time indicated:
12h56
